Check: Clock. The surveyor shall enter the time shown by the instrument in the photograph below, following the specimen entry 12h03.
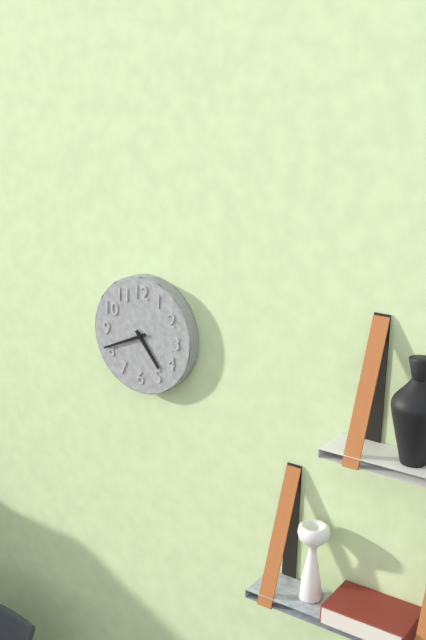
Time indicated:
4h41
